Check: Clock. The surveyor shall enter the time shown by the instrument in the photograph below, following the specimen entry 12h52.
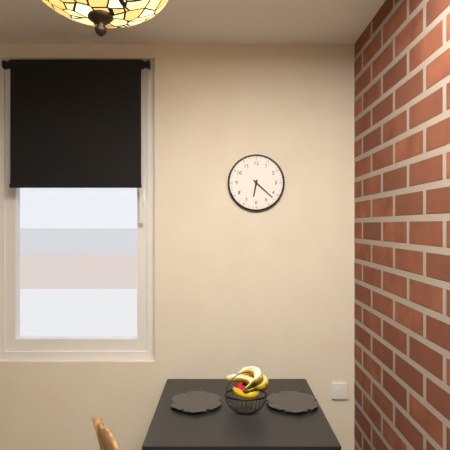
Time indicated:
6h22
